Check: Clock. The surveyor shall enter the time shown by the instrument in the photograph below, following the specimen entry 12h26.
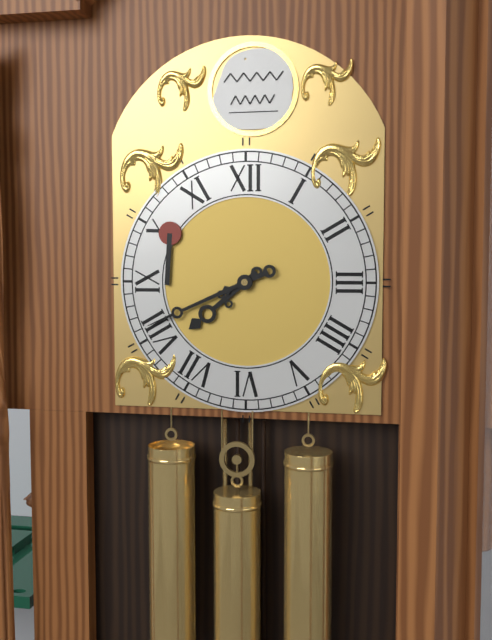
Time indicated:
7h41
